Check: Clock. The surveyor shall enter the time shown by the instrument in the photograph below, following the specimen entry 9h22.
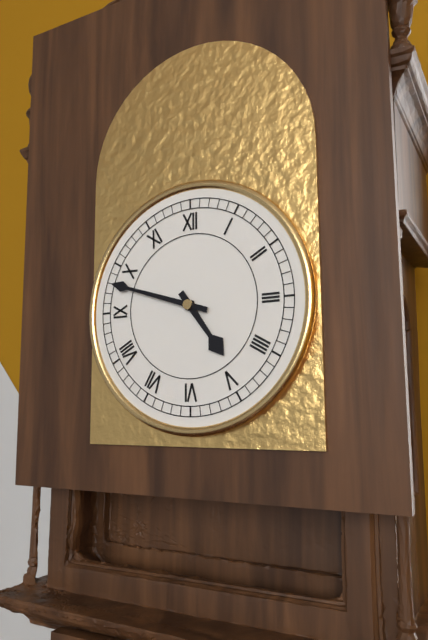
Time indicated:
4h48
